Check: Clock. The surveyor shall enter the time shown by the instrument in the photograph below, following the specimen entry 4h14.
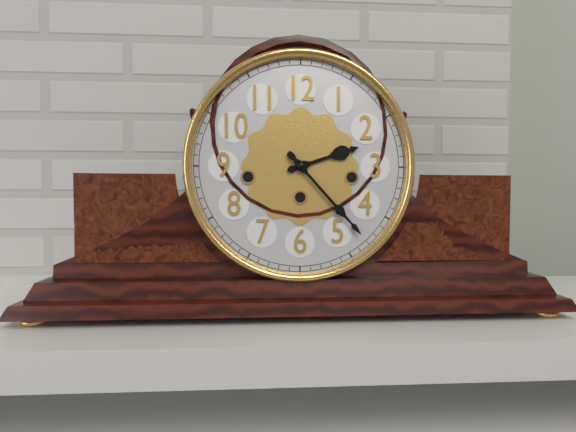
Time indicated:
2h23
